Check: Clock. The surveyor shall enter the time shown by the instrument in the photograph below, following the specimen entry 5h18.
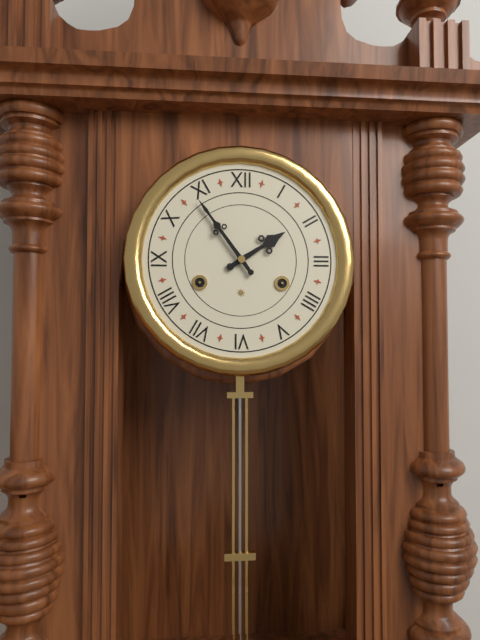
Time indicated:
1h54
